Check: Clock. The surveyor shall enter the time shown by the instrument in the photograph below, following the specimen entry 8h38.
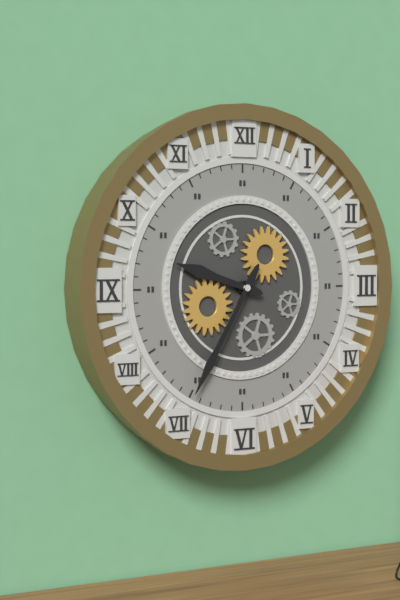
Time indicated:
9h35
